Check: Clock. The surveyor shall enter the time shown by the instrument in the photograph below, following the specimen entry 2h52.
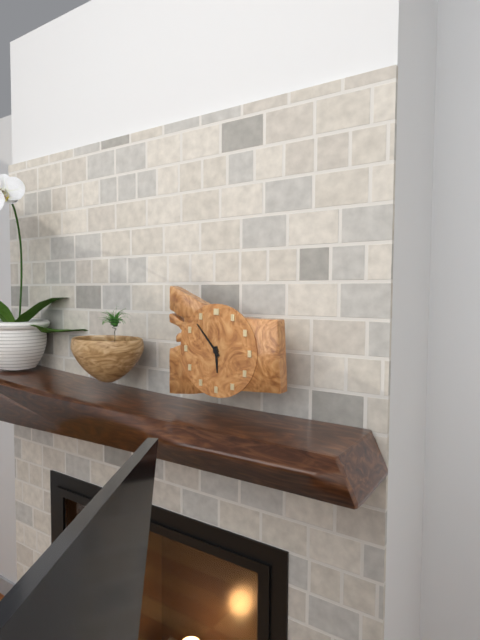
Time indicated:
5h53
